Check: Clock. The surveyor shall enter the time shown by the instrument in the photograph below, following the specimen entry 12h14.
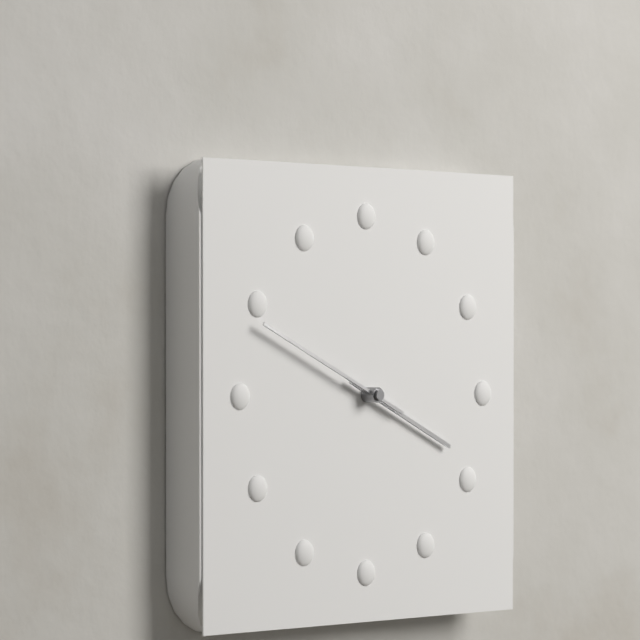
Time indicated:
3h49
